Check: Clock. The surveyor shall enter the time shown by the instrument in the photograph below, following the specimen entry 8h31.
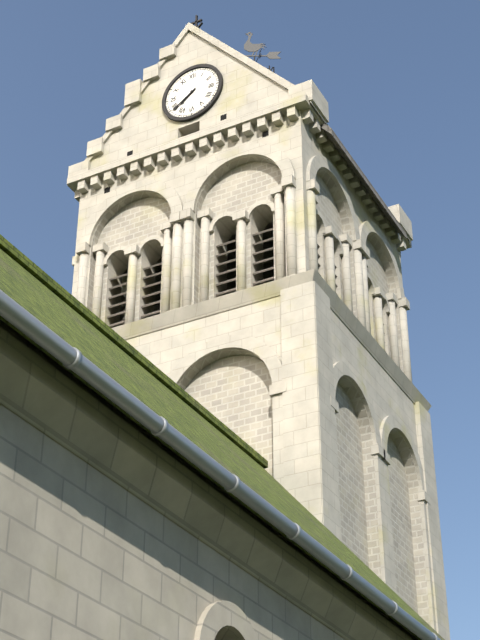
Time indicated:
7h39
